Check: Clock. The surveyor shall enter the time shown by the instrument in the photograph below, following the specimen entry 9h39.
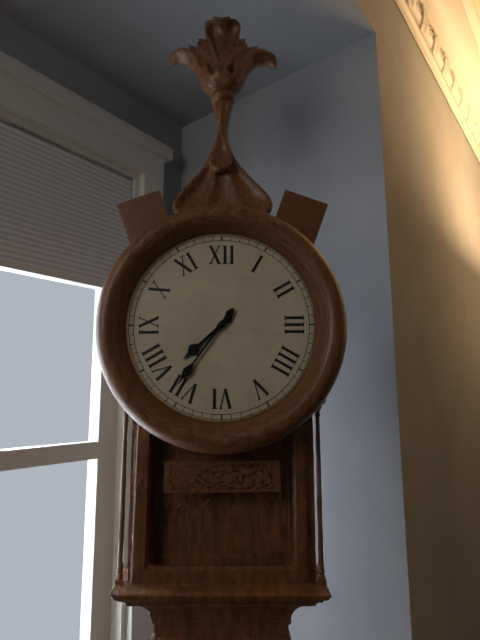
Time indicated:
7h36
